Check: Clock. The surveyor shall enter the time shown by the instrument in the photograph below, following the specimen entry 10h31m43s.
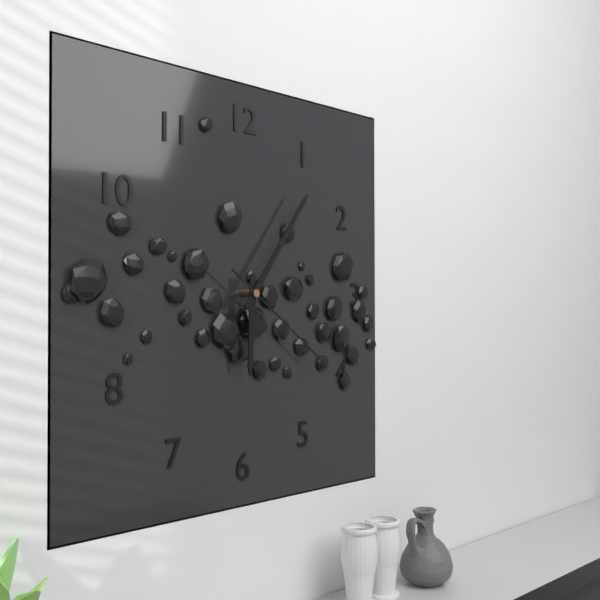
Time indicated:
6h06m21s
